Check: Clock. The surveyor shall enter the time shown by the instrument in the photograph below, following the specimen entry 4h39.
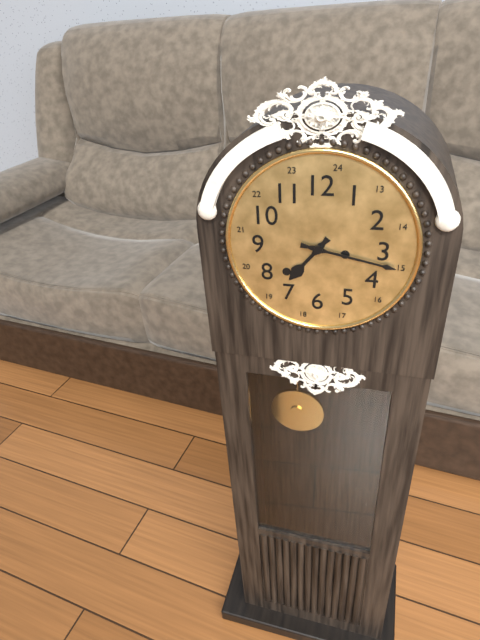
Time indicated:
7h17
